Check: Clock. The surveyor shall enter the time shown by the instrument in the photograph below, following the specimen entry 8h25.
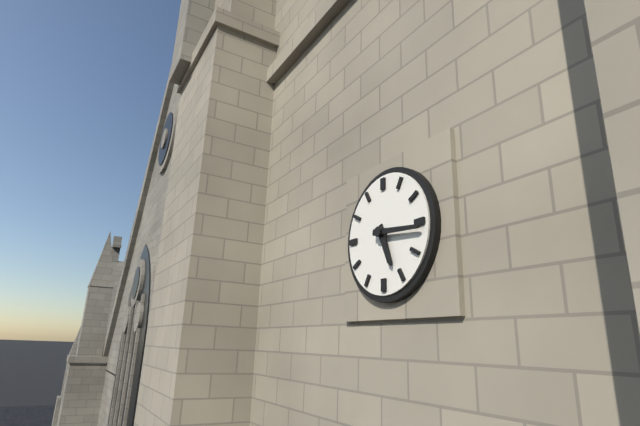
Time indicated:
5h16
